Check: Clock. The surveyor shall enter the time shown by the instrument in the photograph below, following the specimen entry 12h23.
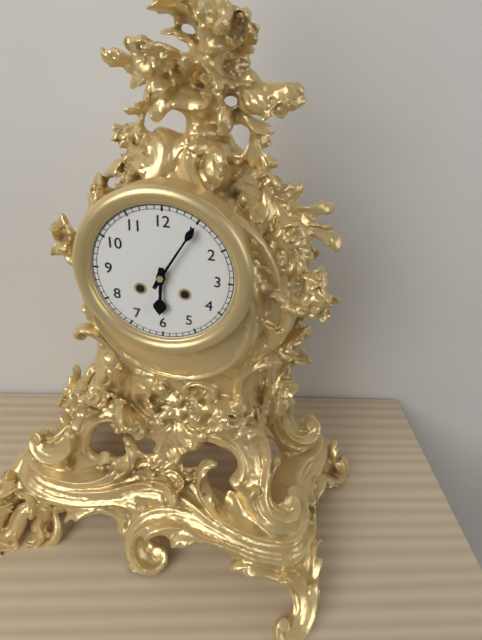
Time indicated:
6h05
